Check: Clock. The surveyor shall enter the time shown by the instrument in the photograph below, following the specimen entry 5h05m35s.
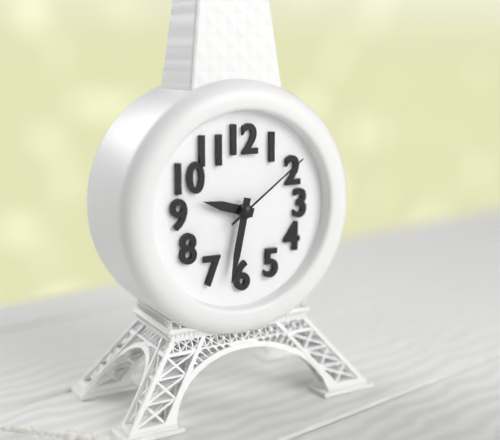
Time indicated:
9h32m09s
